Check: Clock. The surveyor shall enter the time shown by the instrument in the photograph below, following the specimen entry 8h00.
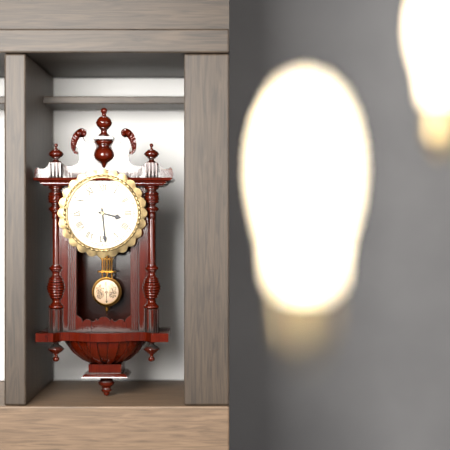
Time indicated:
3h29
